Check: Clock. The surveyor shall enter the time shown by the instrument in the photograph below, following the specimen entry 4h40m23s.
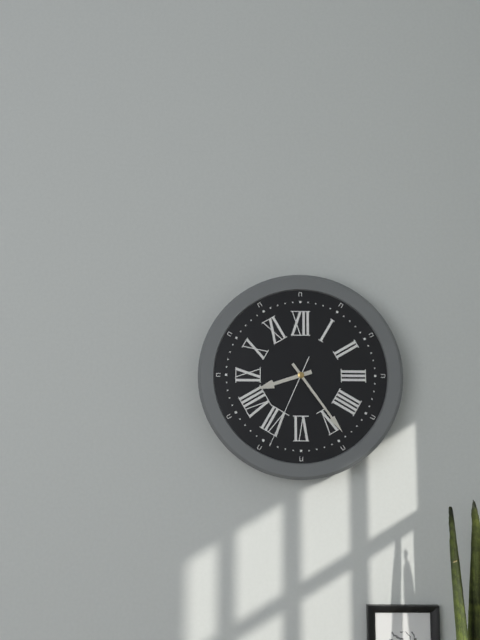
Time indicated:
8h24m34s
